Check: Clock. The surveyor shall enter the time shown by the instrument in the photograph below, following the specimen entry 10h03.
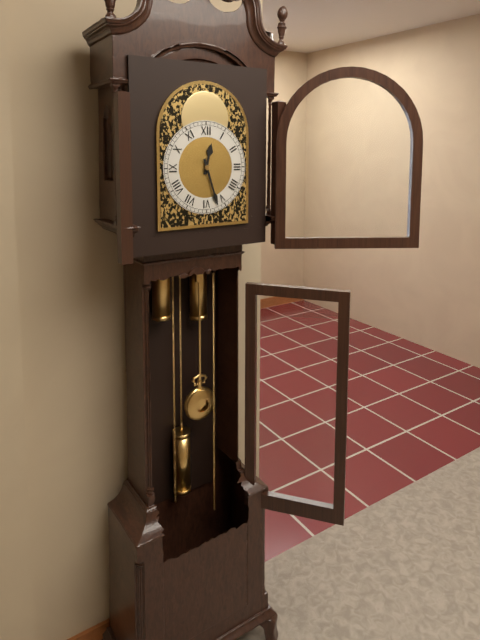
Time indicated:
12h27
